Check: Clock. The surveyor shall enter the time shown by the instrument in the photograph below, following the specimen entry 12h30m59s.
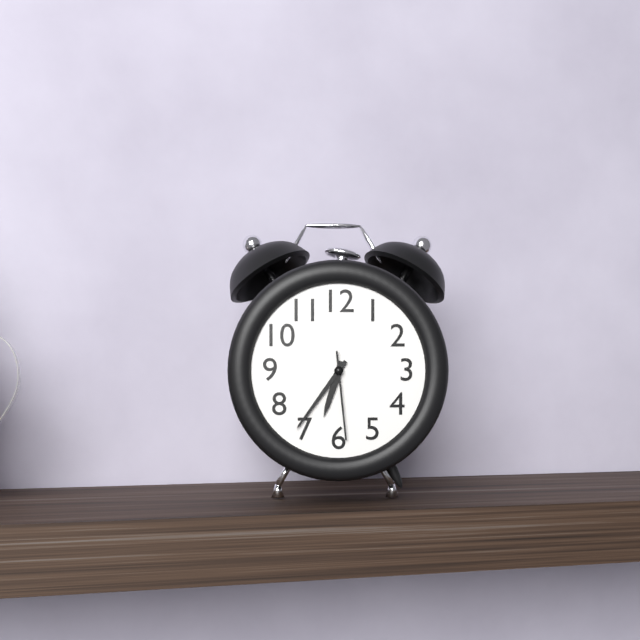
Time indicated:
6h36m29s
